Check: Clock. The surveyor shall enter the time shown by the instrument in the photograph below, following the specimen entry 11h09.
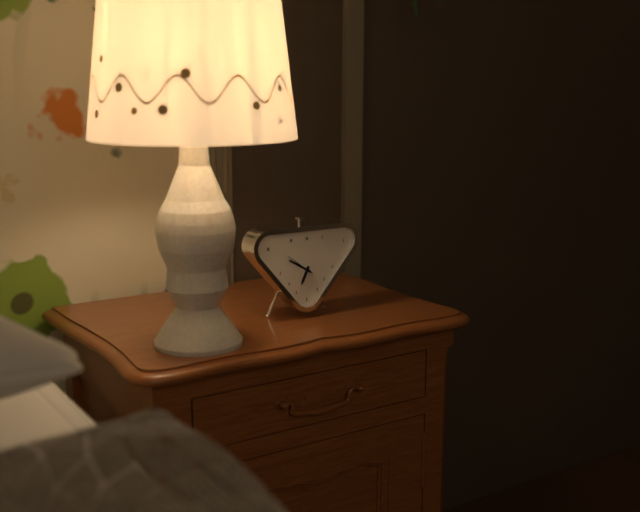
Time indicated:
6h50
